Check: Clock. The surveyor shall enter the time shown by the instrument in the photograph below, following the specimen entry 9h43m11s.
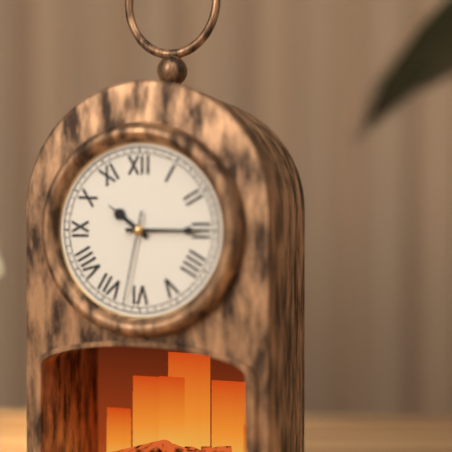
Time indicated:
10h15m32s
